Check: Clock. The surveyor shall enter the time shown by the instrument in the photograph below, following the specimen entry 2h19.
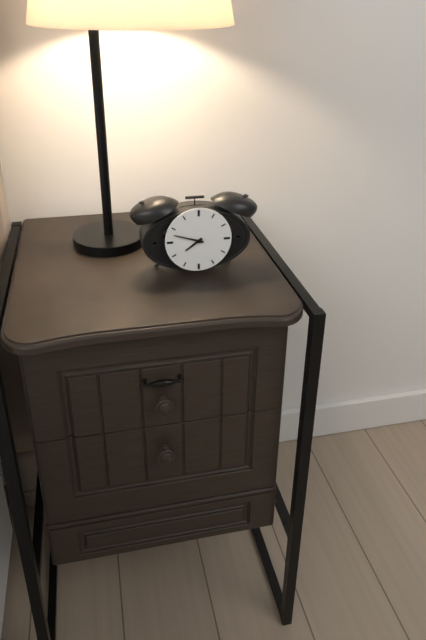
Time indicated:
7h48
